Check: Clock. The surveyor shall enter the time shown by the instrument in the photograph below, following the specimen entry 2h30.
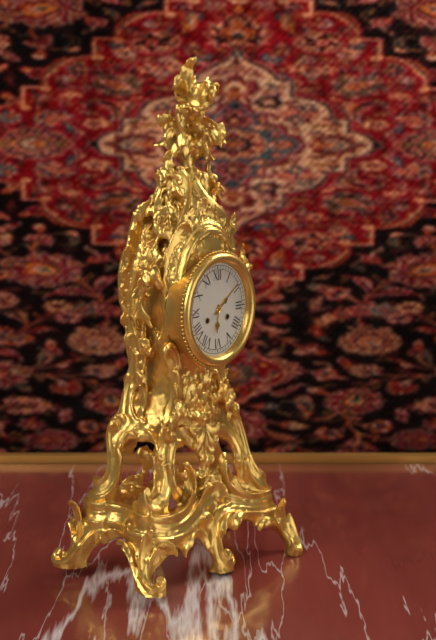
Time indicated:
6h09
